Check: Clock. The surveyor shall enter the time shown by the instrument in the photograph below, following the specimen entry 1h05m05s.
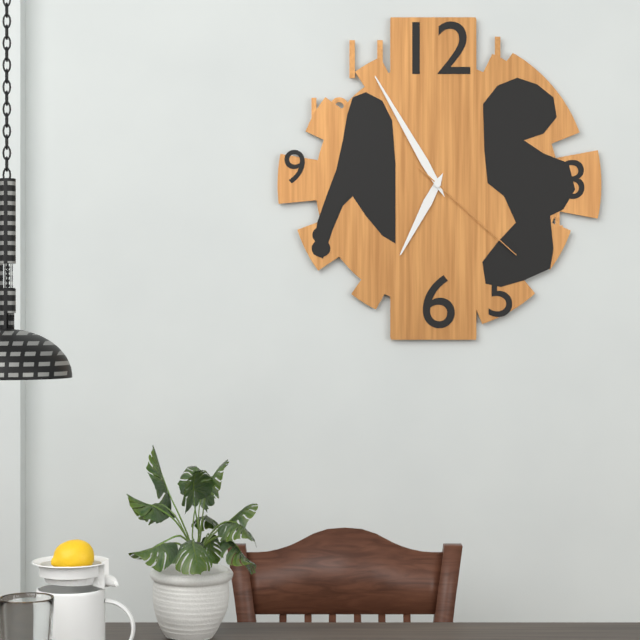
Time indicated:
6h55m22s
